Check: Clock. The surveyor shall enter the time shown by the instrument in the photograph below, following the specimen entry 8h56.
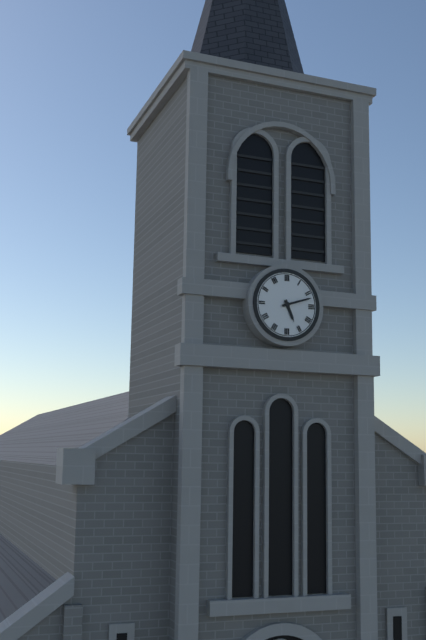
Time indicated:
5h12
